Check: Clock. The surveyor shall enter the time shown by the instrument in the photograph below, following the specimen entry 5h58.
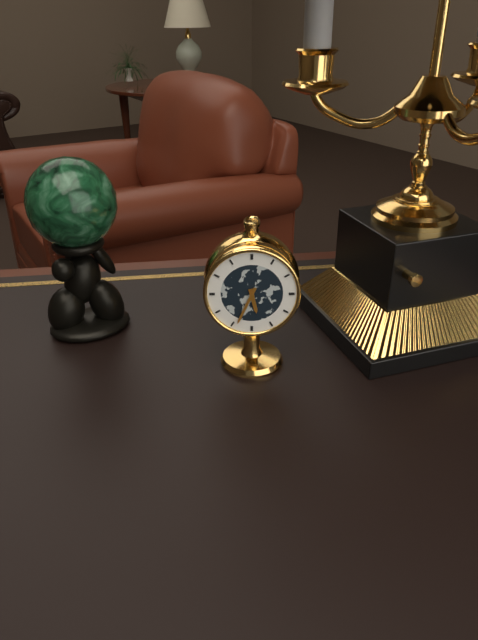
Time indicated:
5h34
